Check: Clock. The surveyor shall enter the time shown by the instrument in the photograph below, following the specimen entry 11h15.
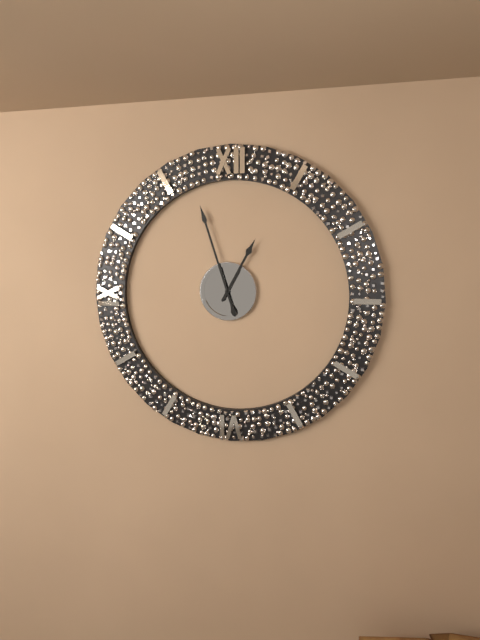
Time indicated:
12h57
